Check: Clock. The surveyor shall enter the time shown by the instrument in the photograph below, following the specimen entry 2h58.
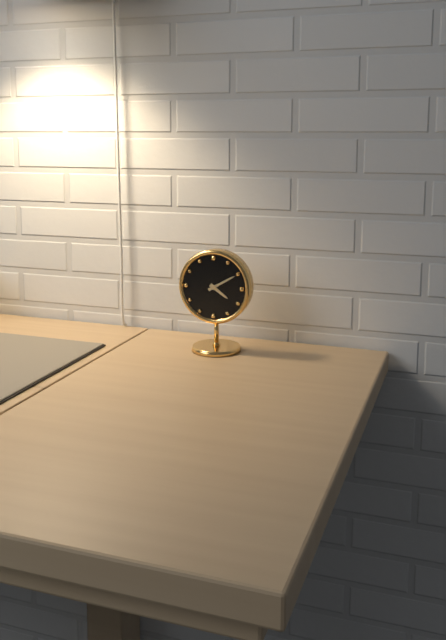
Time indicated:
4h10
